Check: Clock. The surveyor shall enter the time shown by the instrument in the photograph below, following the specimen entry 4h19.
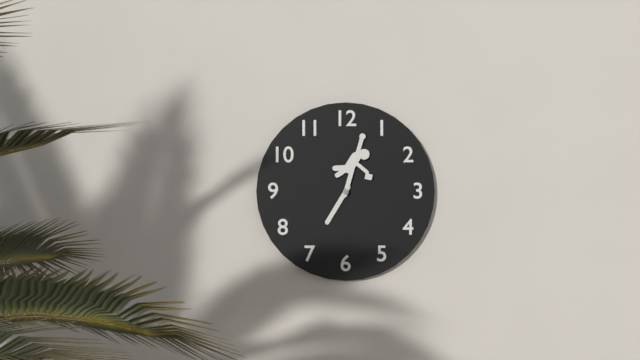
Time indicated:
7h02
